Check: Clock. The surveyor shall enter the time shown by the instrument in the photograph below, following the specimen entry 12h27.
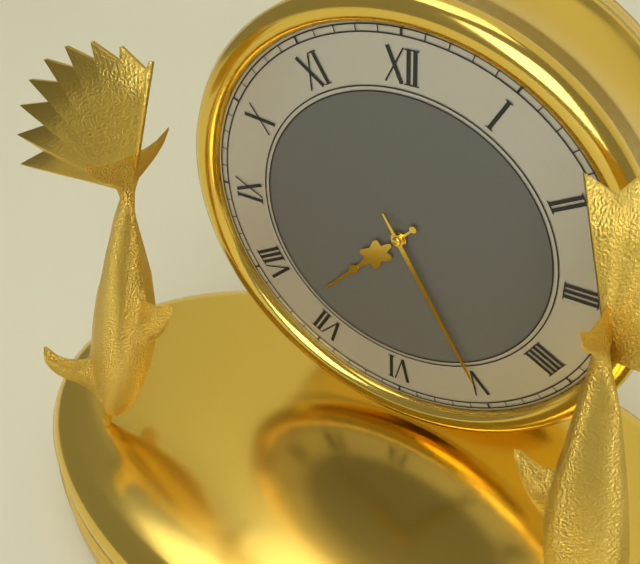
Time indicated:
7h25
